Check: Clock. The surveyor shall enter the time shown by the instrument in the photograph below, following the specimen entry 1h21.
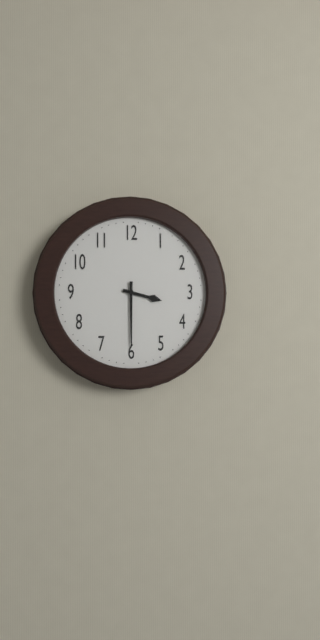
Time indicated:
3h30
